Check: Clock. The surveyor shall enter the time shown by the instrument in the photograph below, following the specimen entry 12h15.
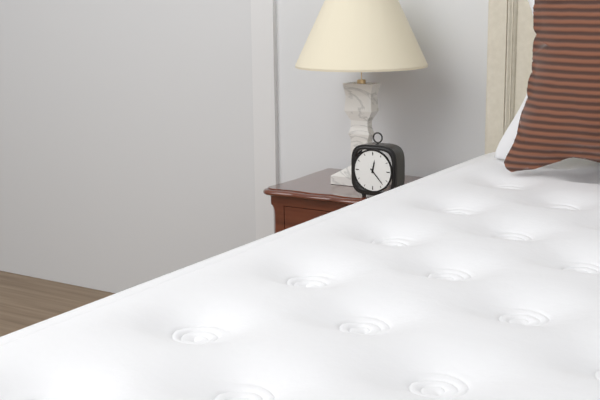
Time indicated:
12h23
